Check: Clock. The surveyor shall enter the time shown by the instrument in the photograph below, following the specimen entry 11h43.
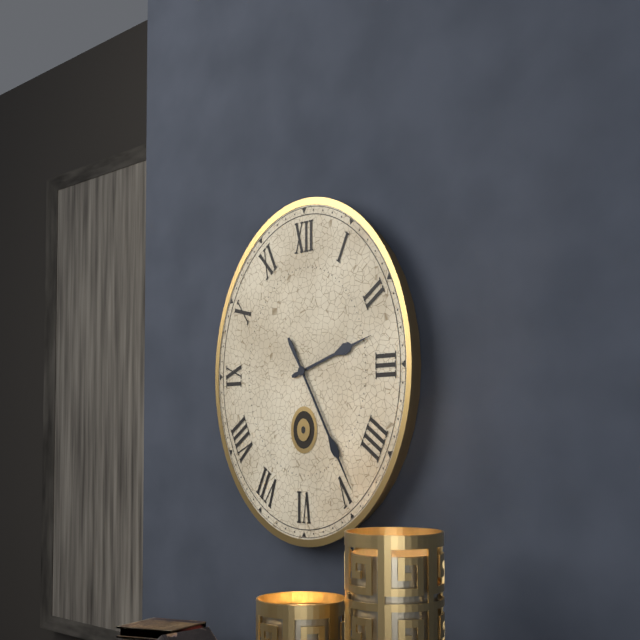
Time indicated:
2h25
